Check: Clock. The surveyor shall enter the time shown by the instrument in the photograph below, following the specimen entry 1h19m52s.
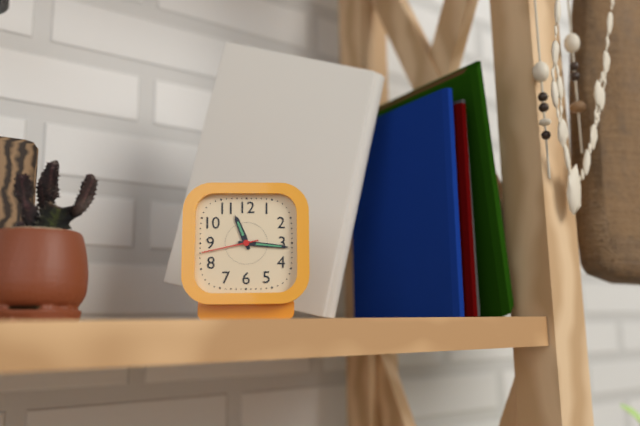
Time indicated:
11h16m43s
